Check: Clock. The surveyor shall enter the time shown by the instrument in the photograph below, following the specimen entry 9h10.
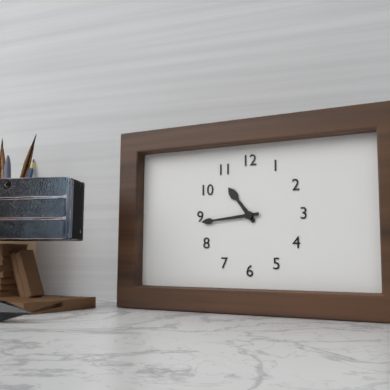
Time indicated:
10h44
